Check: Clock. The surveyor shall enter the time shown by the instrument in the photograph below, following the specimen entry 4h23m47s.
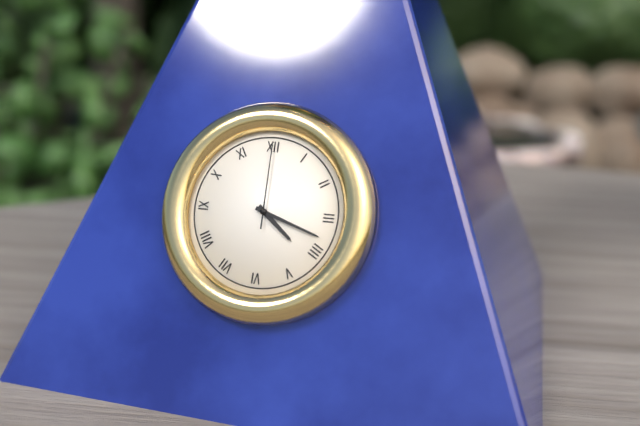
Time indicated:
4h18m00s
